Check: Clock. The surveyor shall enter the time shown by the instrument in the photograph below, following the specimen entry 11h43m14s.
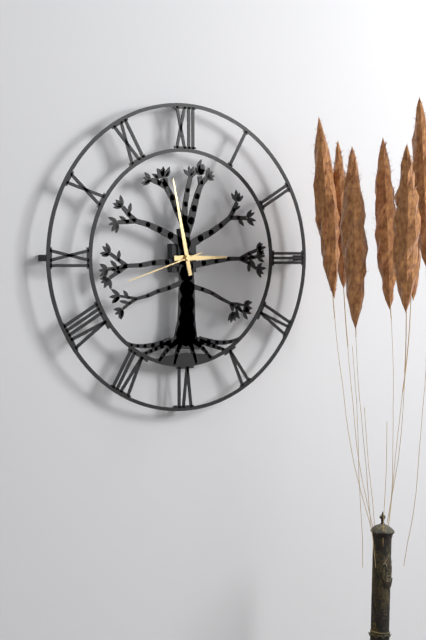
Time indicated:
2h58m42s
